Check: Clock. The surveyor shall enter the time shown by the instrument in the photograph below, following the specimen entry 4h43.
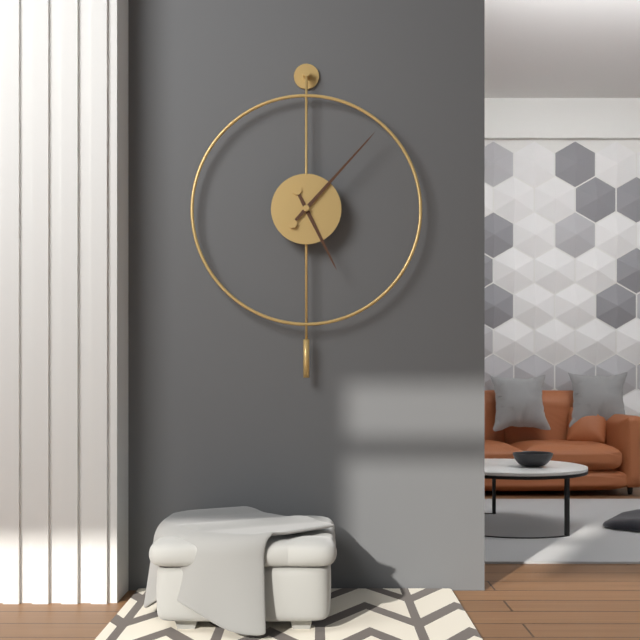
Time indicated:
5h07
